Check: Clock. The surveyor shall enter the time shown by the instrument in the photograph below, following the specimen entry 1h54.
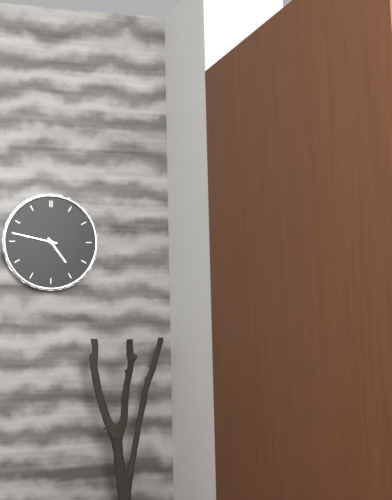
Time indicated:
4h47
